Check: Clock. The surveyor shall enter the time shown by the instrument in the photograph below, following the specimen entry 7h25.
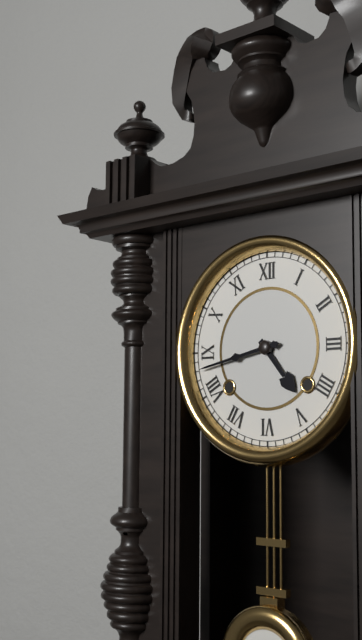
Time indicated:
4h43
